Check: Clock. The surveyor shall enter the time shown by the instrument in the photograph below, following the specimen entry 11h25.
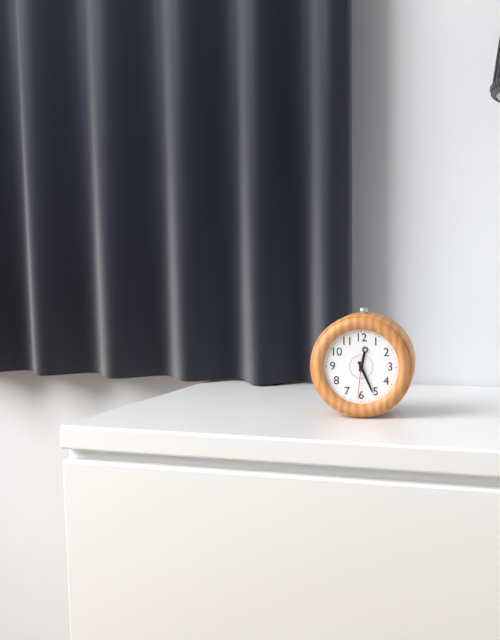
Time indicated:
12h26
